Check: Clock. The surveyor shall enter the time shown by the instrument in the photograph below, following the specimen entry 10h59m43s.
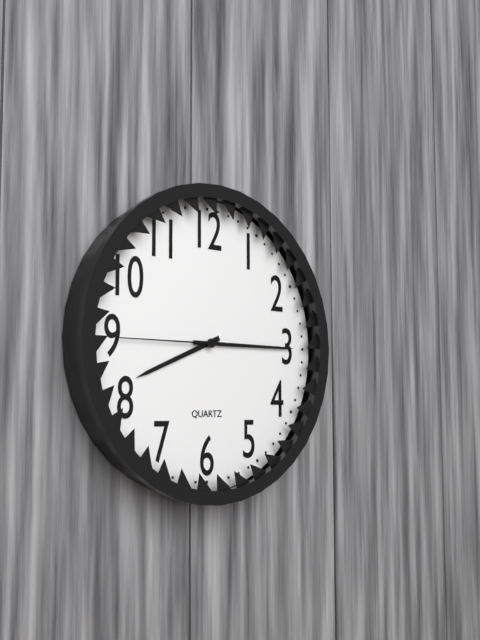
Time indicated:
8h15m45s
